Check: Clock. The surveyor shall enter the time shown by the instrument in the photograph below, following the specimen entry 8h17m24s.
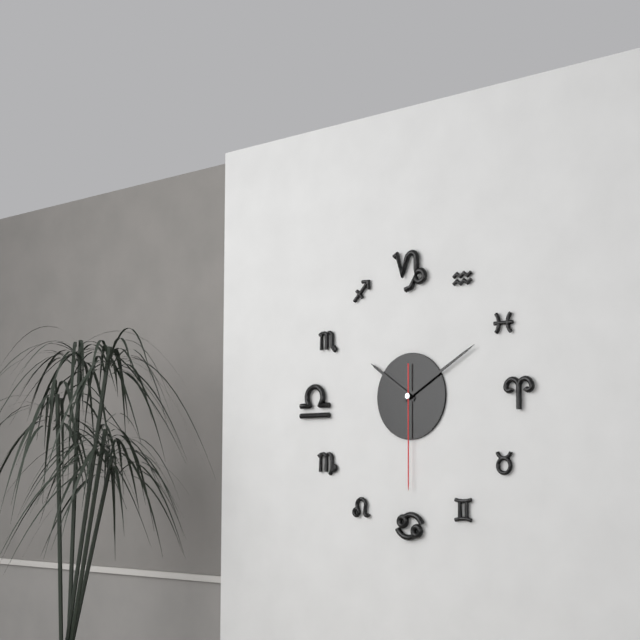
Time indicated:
10h10m30s
